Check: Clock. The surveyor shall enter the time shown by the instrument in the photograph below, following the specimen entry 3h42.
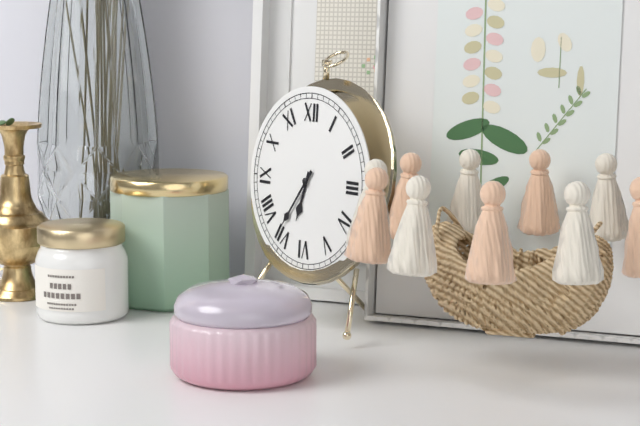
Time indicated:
6h36
